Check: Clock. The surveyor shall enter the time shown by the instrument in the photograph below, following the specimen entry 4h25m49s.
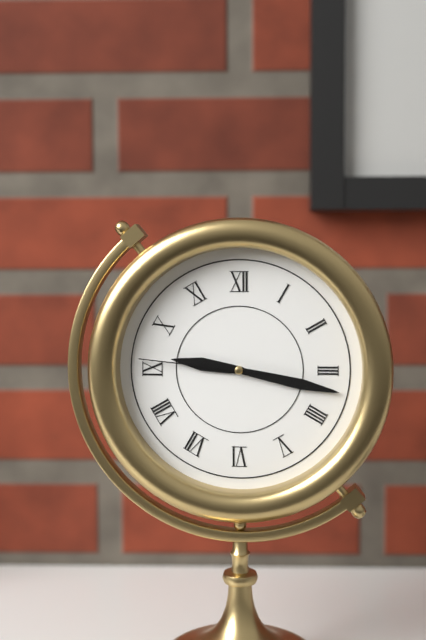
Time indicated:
9h17m46s
